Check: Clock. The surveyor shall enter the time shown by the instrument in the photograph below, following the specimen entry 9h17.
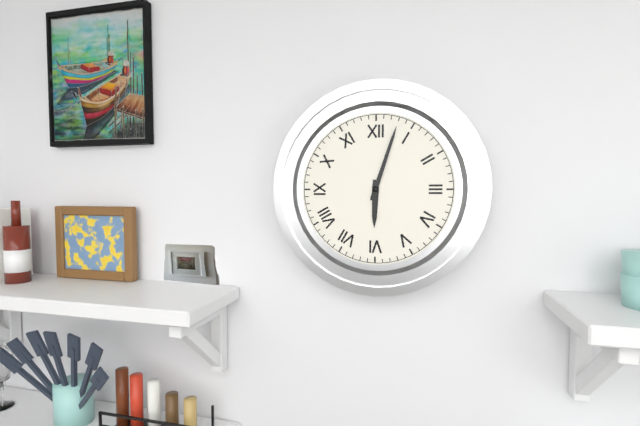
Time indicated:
6h03
